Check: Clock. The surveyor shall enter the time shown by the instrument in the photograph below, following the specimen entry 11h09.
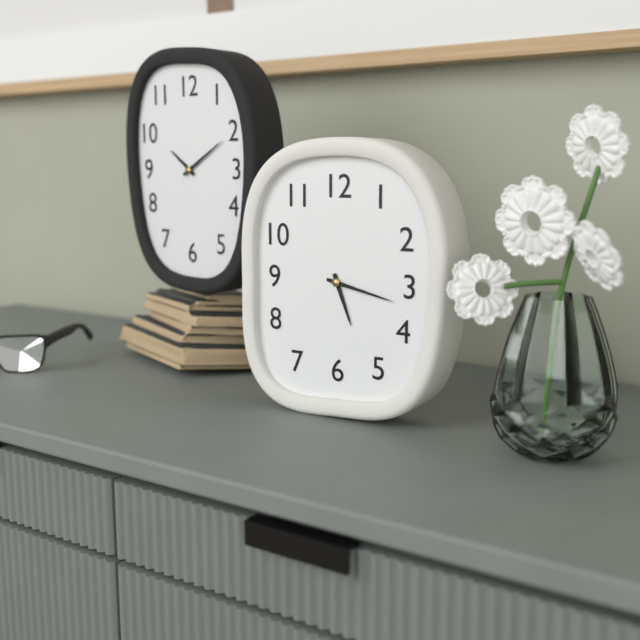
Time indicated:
5h17
